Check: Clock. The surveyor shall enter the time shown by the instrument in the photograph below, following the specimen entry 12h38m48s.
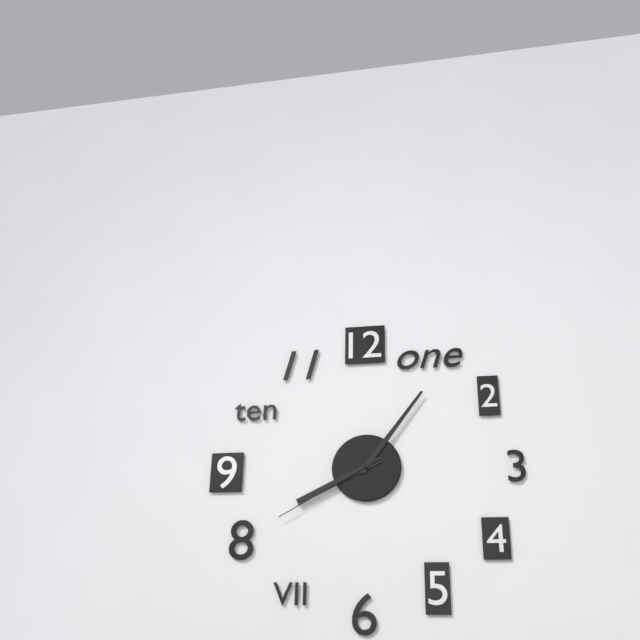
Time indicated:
8h06m40s
